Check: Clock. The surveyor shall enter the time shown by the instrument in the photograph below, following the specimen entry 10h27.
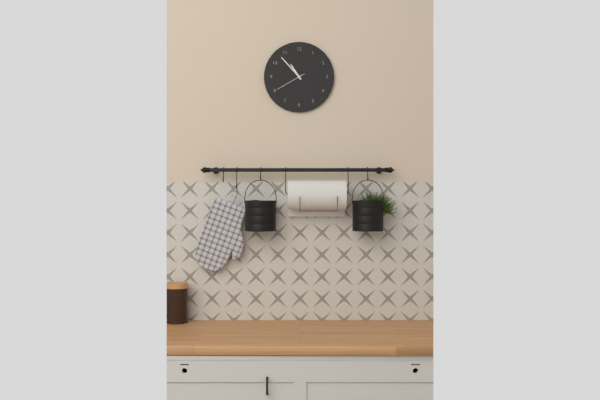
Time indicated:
10h53
